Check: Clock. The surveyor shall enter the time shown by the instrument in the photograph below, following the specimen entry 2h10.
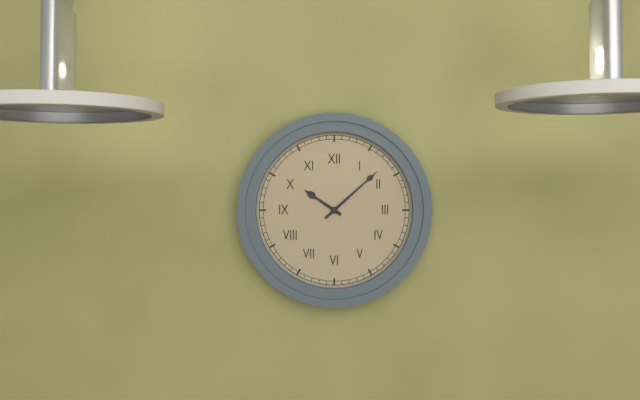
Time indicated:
10h08
